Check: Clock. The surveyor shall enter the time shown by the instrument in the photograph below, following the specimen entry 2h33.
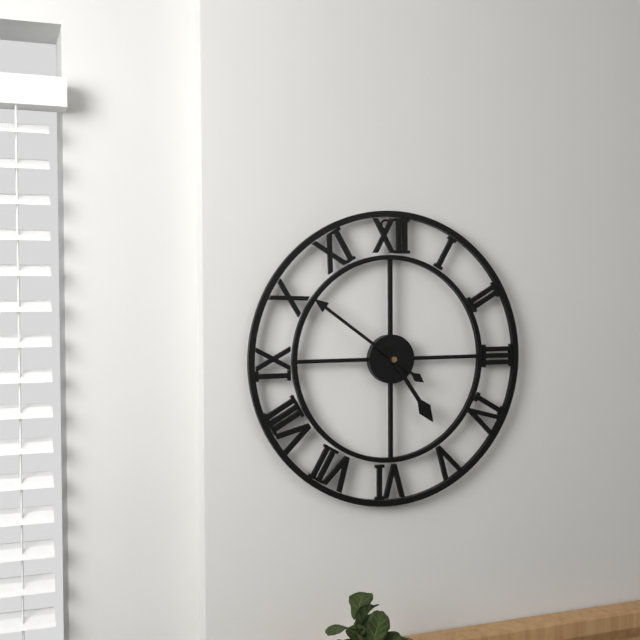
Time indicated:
4h51
